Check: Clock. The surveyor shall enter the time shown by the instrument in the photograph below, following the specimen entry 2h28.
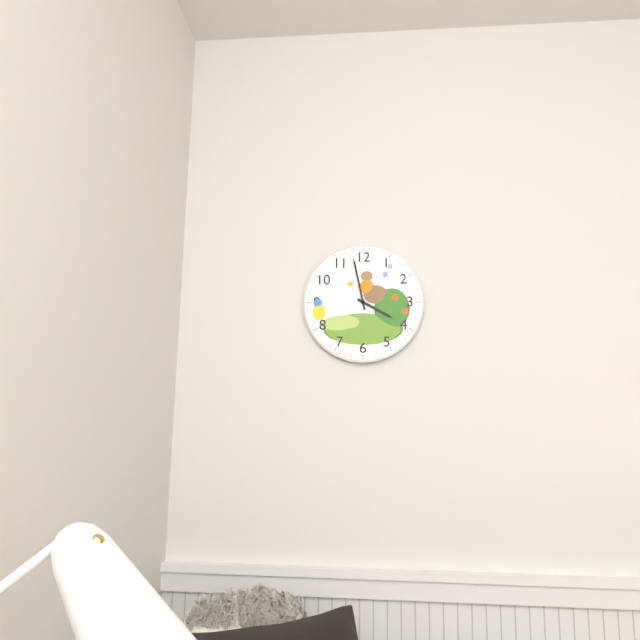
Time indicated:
3h58
